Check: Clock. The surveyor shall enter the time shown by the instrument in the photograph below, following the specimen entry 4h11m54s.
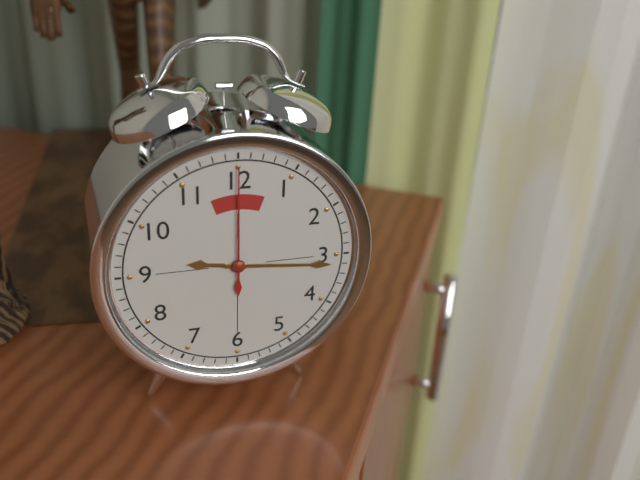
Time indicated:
9h16m00s
